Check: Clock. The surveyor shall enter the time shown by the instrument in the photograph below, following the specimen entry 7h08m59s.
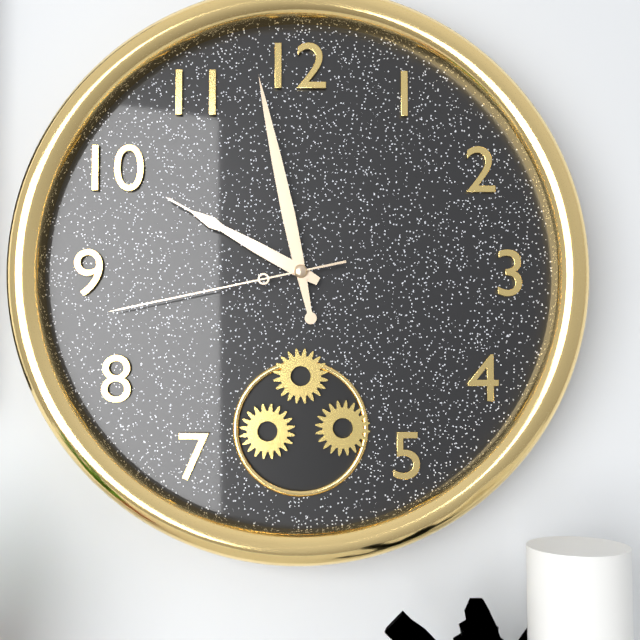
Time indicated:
9h58m43s
